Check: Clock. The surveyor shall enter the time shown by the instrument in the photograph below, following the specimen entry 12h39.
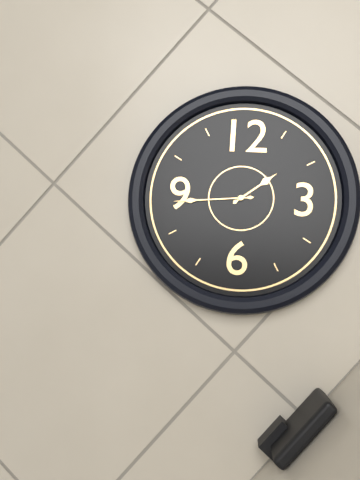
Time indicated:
1h44
